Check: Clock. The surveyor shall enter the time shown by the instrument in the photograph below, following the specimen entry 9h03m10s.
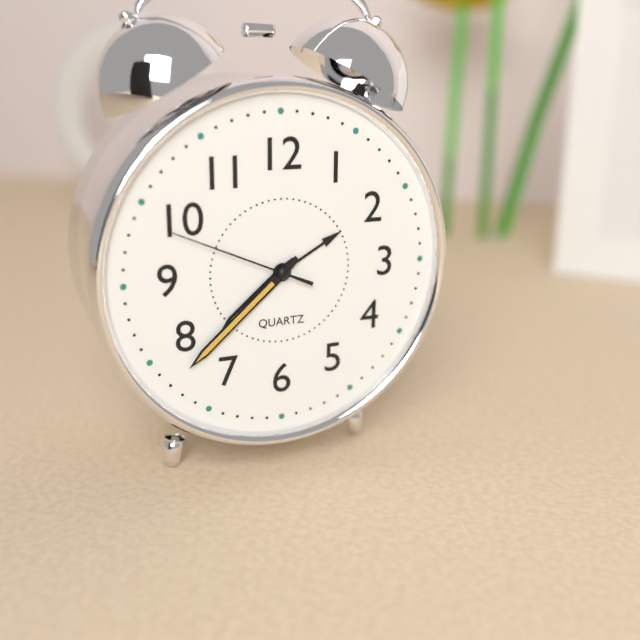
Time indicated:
7h38m49s
